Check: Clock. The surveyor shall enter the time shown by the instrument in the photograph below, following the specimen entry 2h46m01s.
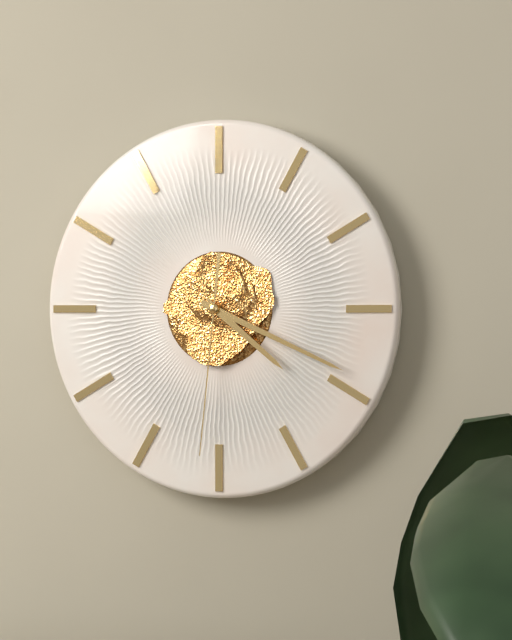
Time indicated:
4h19m31s
